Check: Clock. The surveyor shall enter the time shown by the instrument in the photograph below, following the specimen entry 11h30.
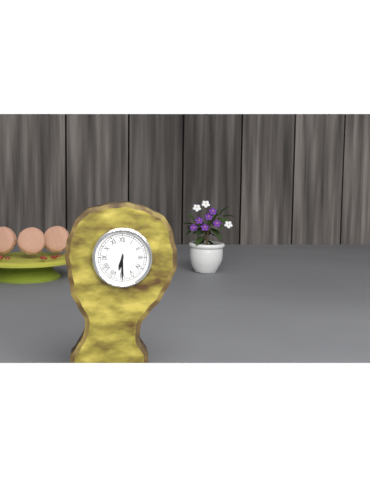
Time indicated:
6h30
